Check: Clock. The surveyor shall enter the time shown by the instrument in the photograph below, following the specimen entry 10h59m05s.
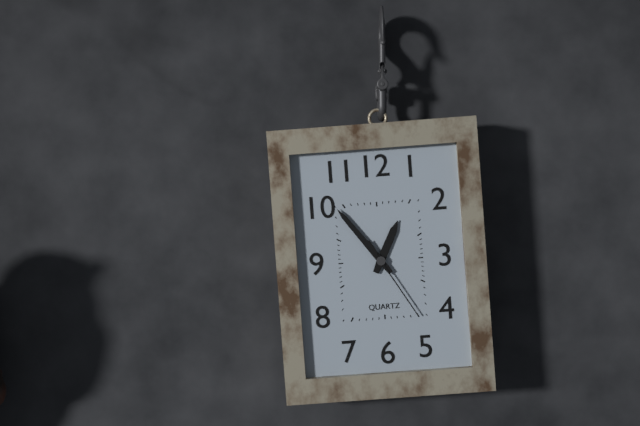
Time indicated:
12h54m25s
